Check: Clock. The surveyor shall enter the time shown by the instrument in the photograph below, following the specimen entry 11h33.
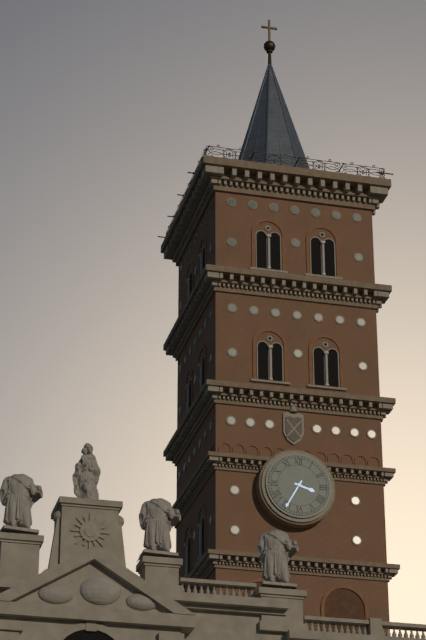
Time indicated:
3h35
